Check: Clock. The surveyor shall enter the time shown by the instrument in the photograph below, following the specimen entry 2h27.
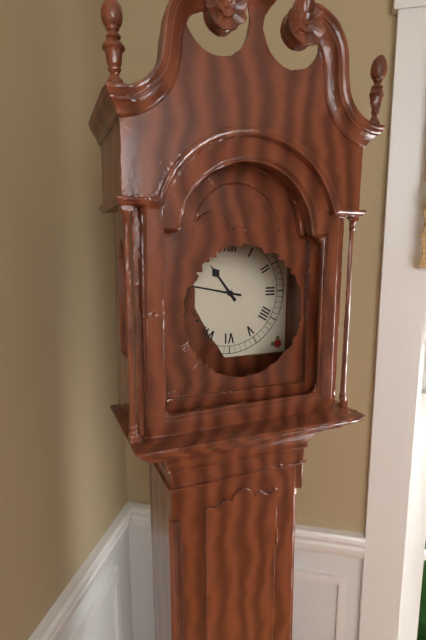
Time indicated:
10h47
